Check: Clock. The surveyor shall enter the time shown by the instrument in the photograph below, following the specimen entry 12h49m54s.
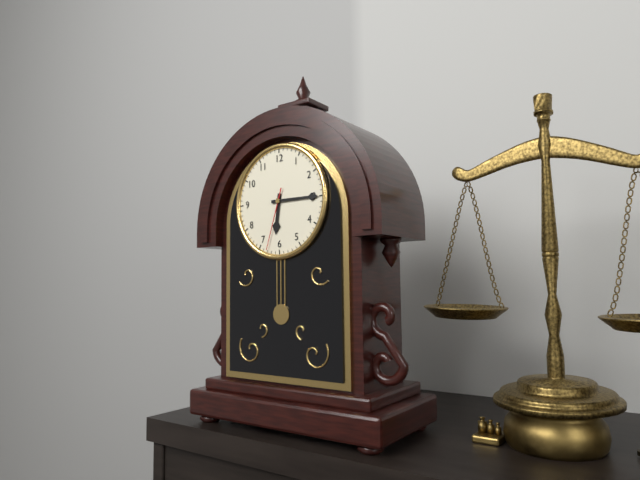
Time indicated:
6h15m33s
